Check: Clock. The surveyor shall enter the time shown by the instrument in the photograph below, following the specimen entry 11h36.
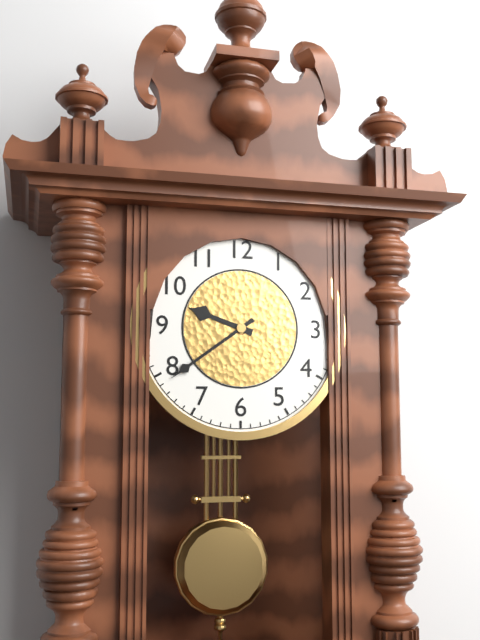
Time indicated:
9h39
